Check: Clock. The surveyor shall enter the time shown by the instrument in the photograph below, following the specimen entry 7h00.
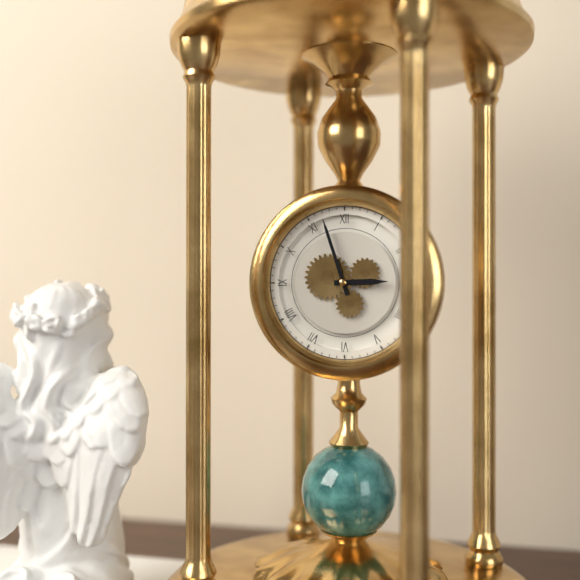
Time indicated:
2h57
